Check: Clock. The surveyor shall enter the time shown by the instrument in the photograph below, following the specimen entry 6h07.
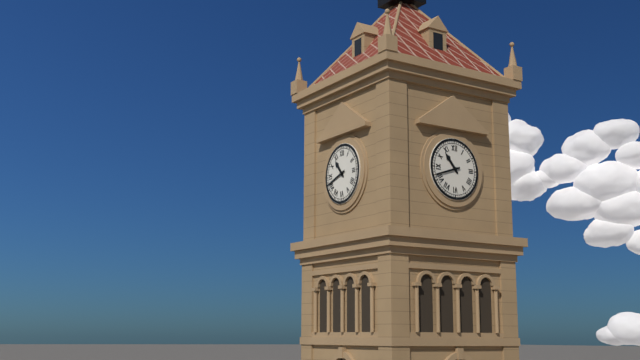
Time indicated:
10h42
